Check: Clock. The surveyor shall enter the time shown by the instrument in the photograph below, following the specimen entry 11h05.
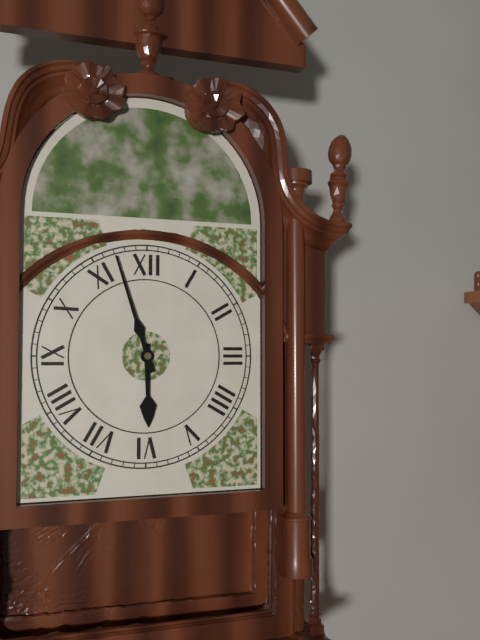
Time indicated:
5h57
